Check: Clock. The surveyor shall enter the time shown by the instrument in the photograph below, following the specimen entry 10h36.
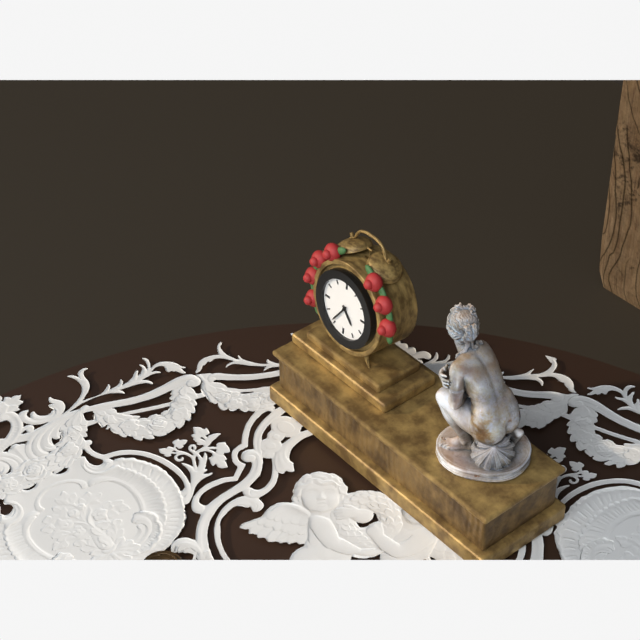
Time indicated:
4h36
